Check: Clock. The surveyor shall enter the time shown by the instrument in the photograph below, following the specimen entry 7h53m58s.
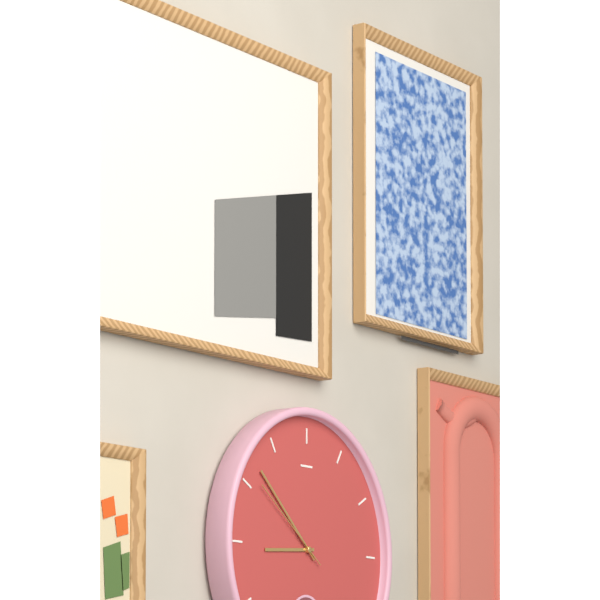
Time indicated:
8h52m51s
